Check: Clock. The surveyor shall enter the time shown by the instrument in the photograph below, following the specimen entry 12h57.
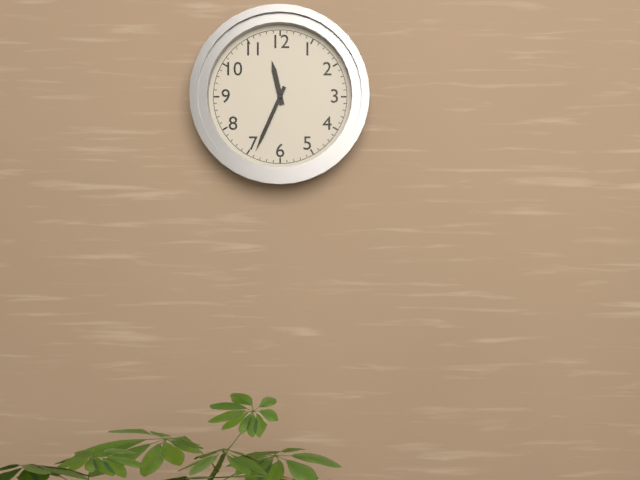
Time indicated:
11h34
